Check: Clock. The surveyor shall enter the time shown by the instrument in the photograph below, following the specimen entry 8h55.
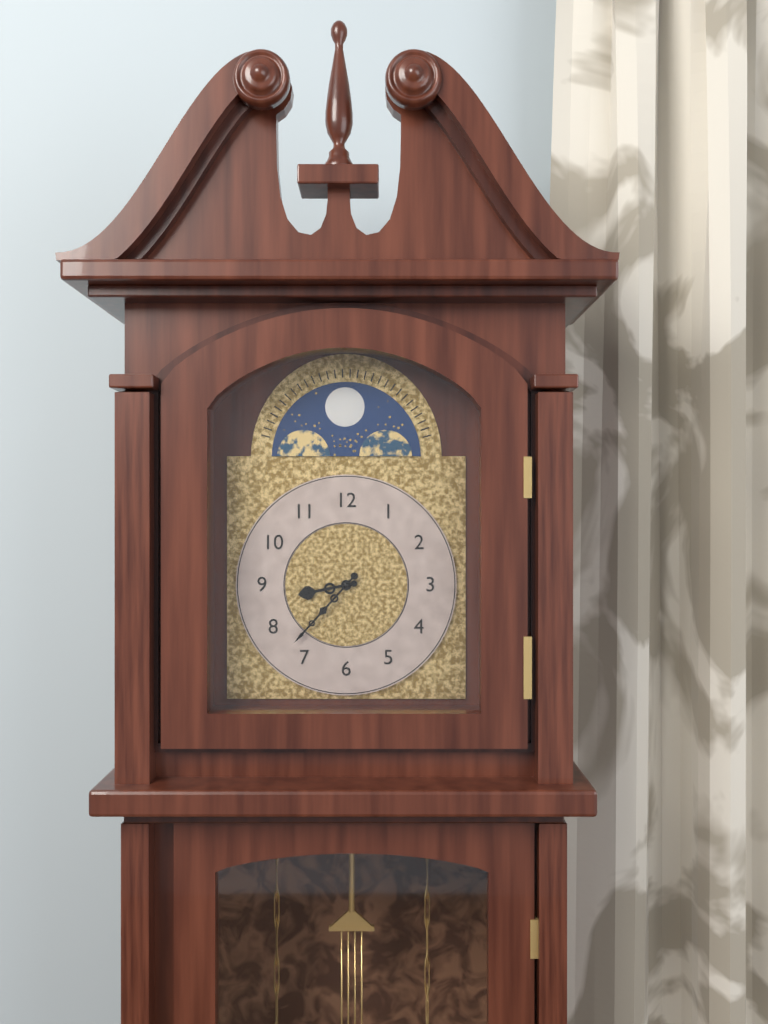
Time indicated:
8h37
